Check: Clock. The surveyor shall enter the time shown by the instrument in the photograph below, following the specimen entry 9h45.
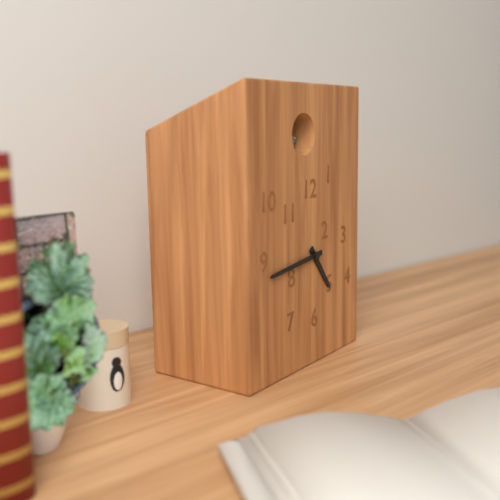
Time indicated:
4h44
